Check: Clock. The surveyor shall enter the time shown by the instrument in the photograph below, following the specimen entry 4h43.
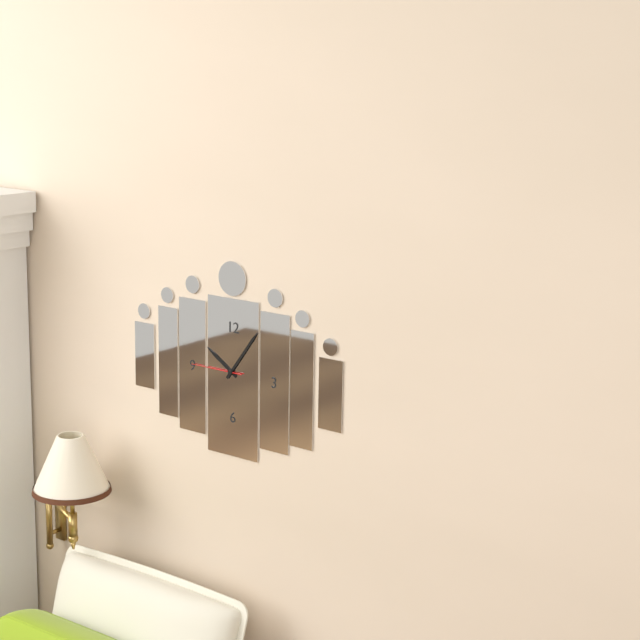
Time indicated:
10h06
